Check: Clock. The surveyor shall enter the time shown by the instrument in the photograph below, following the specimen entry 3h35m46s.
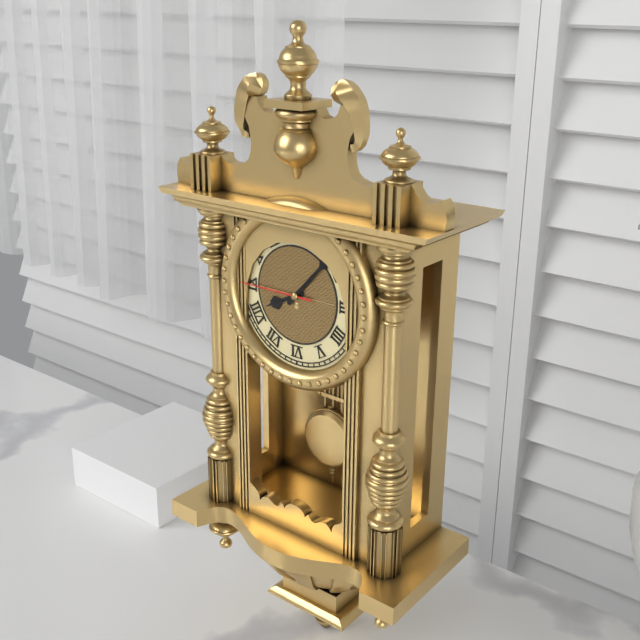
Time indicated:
8h07m45s
